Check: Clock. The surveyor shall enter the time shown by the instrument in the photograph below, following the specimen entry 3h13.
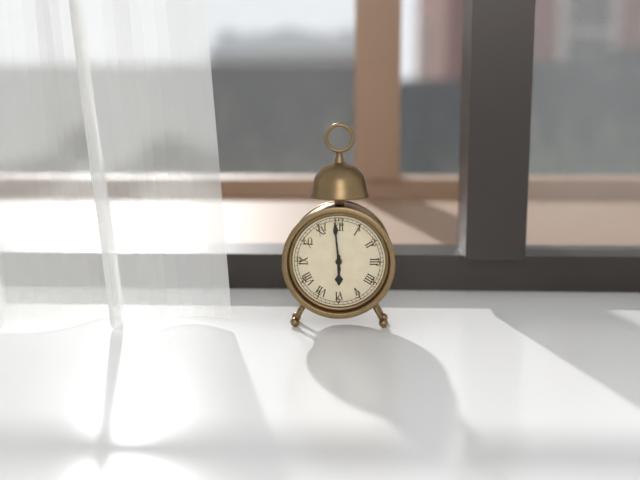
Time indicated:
5h59
